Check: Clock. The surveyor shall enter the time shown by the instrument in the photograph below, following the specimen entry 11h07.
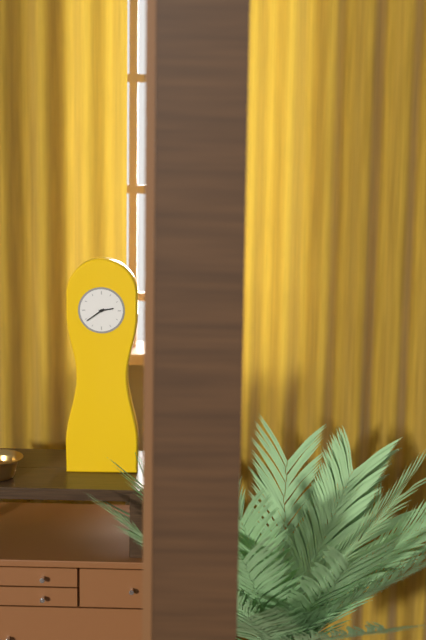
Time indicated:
2h39
